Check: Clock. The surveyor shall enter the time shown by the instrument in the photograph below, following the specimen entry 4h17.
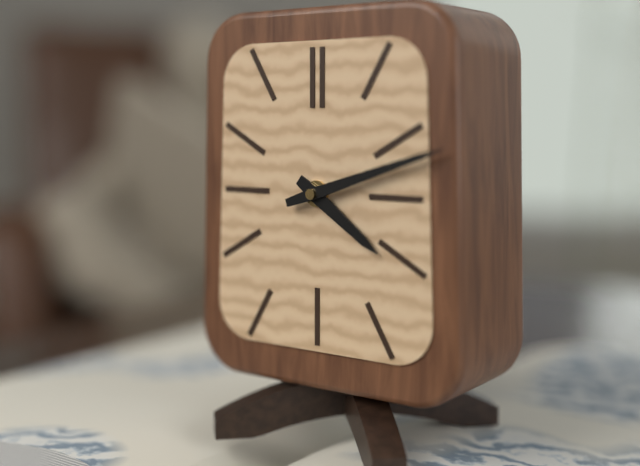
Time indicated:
4h12
